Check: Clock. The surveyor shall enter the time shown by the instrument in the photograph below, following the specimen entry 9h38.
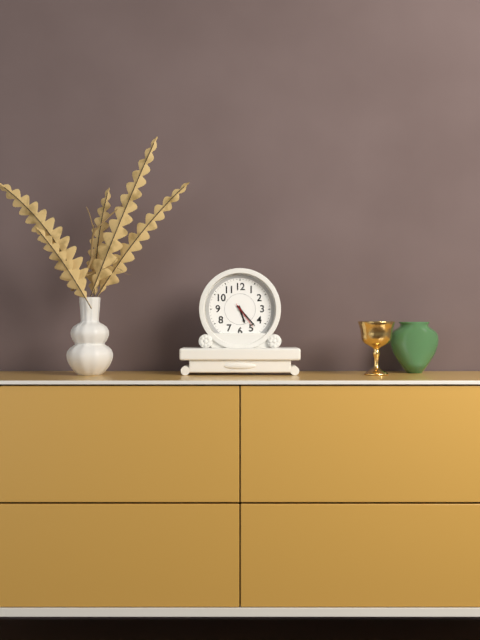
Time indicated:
5h23
